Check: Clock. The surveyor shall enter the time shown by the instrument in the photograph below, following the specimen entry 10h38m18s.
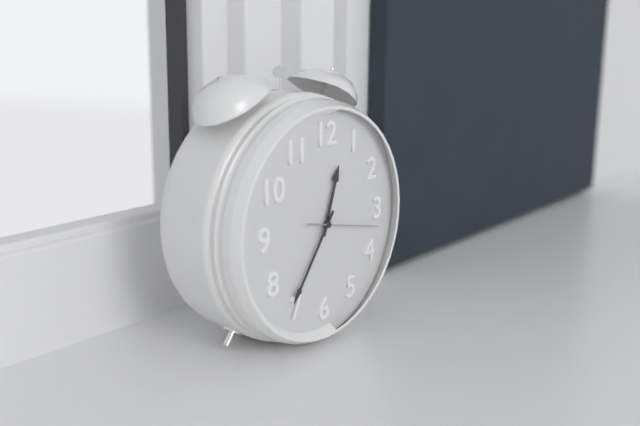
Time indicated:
12h36m17s
